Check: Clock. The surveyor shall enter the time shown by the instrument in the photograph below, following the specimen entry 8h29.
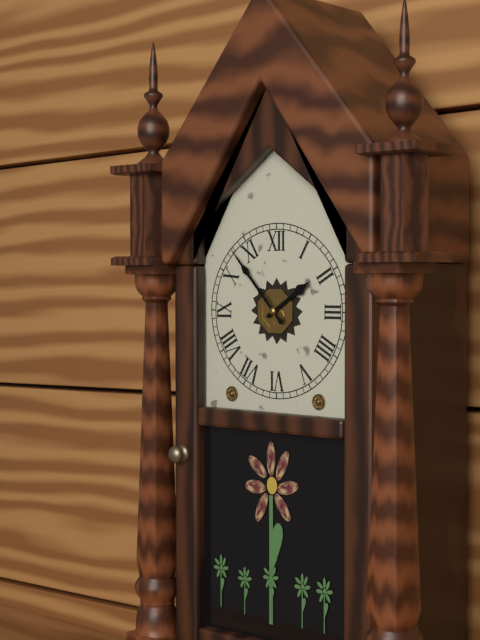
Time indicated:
1h53
